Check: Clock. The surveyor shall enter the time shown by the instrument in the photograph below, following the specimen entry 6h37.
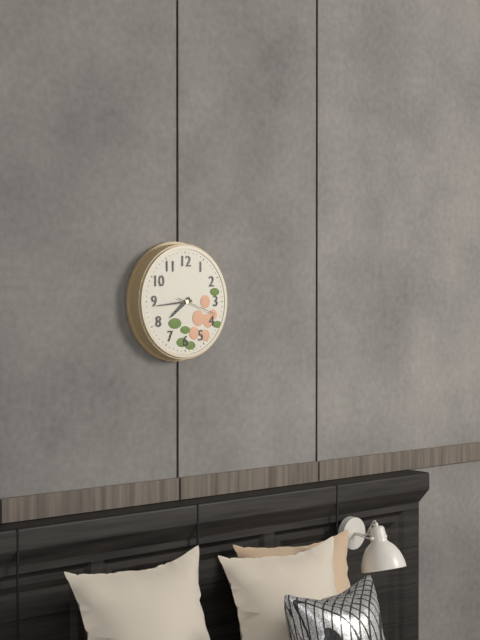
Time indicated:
7h44
